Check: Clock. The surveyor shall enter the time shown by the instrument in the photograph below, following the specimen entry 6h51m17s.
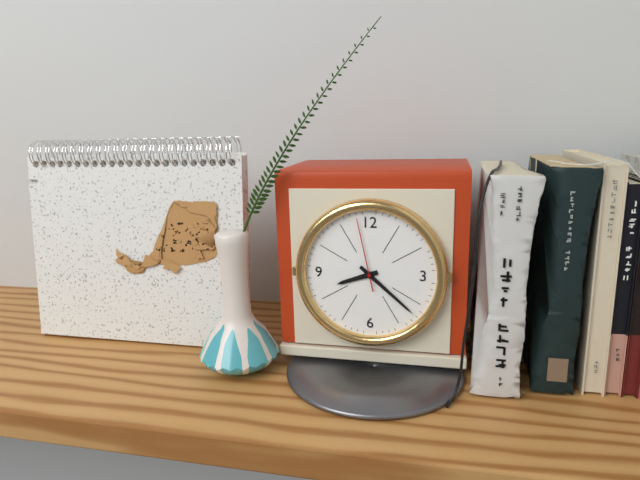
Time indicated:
8h22m58s
